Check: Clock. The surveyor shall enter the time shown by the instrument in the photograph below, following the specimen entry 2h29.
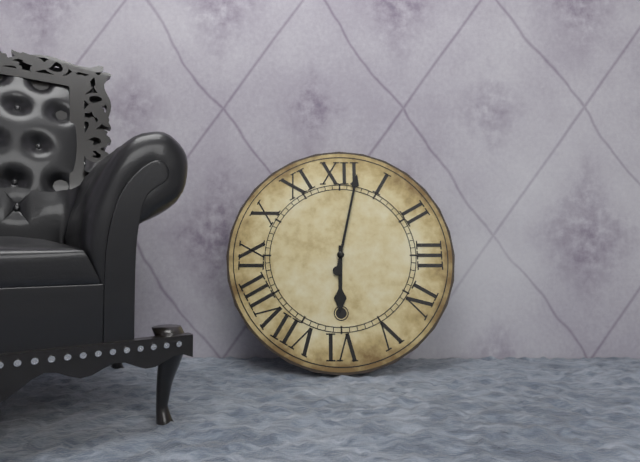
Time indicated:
6h02
